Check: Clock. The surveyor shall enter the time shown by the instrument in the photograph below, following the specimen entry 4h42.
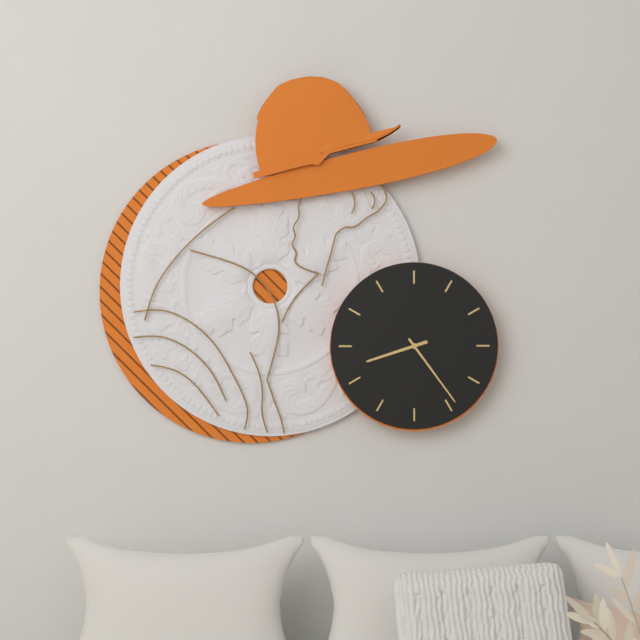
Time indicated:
8h24
